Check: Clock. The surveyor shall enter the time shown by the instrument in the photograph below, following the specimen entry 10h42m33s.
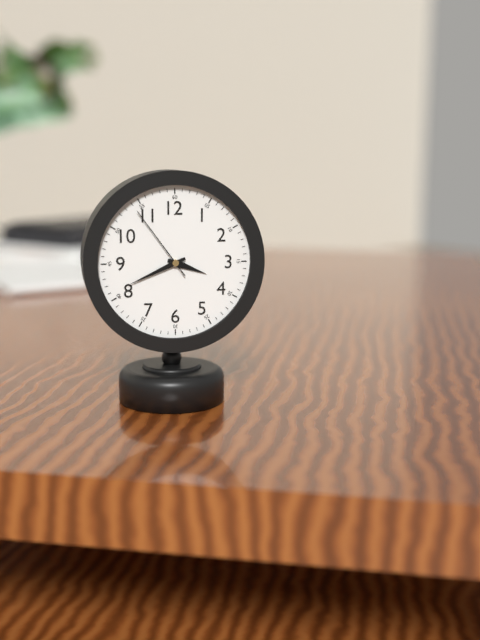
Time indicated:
3h41m54s
